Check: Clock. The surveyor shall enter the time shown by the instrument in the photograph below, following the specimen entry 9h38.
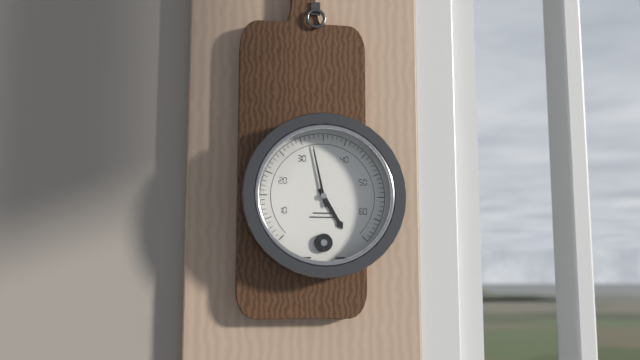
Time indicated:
4h58
